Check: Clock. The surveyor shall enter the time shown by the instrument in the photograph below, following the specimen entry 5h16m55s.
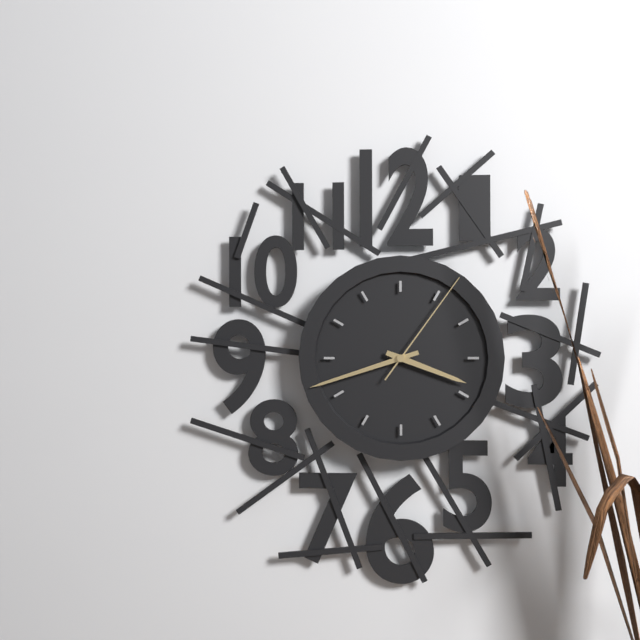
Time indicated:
3h42m06s
